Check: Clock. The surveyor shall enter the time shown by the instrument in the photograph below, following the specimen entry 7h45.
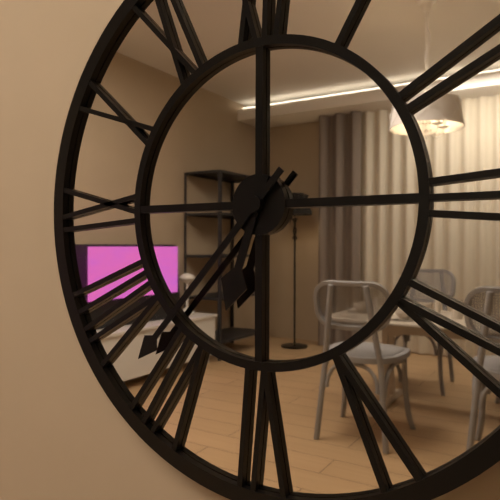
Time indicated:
6h37
